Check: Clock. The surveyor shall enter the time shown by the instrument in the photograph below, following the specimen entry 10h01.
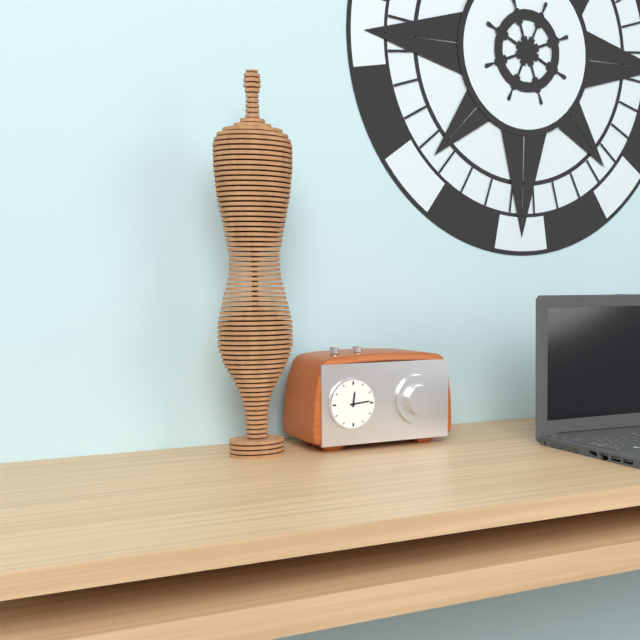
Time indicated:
12h14
